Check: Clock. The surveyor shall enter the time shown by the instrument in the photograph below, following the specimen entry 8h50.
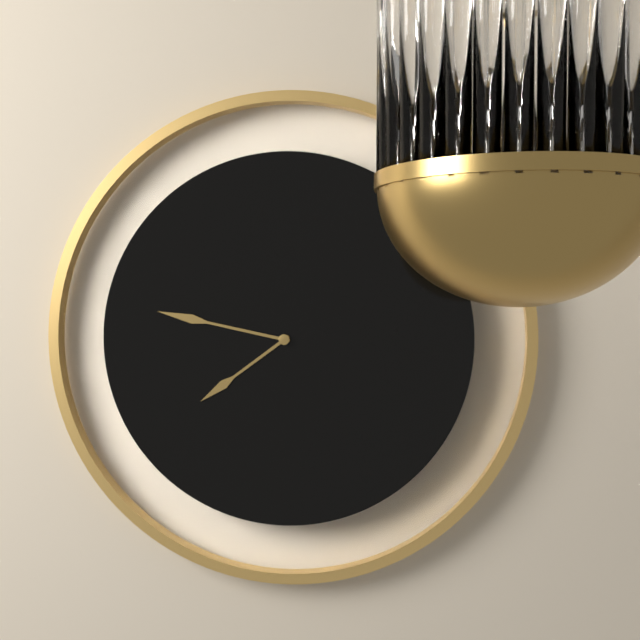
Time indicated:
7h47
